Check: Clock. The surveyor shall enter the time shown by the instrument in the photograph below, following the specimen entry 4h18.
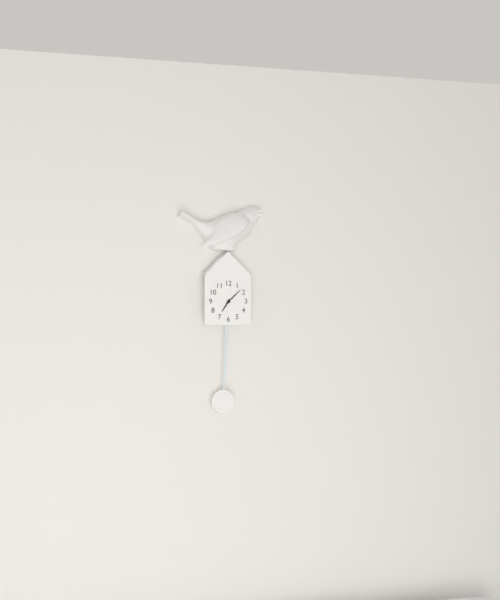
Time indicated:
7h08
